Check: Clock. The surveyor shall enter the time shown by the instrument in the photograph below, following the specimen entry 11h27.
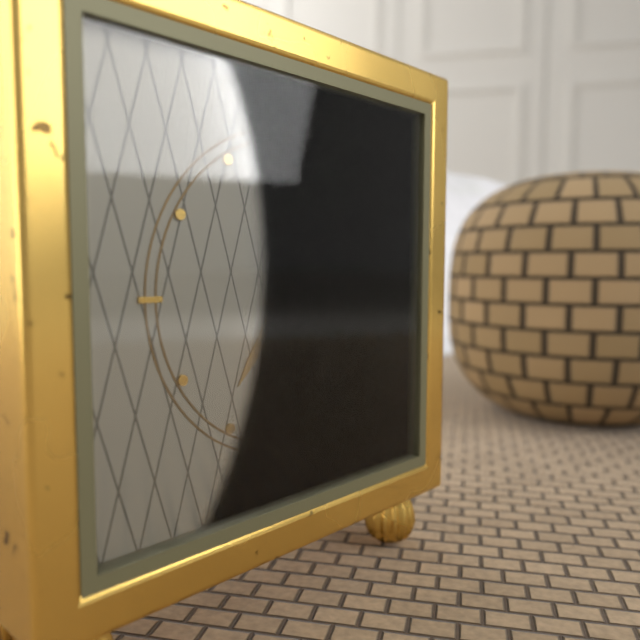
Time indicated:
7h12
